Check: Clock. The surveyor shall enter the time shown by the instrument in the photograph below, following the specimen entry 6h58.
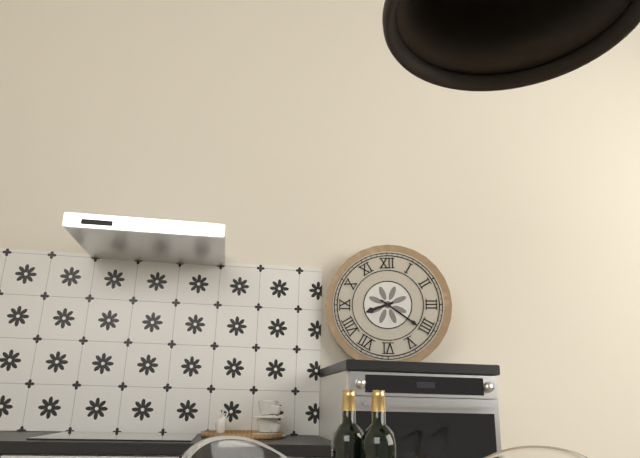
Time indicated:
8h21
